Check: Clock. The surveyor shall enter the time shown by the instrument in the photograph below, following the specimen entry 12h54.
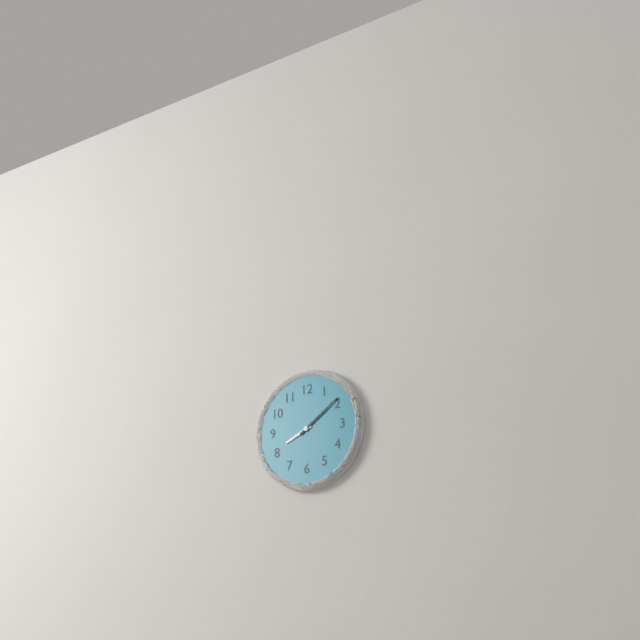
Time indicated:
8h09
